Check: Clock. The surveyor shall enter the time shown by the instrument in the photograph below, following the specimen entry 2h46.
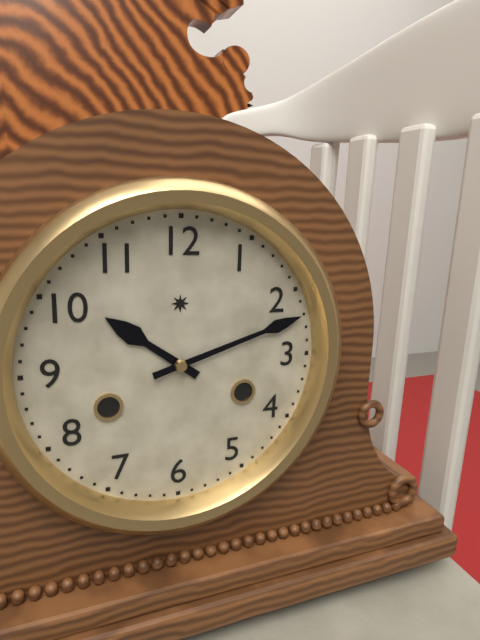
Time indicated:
10h12
